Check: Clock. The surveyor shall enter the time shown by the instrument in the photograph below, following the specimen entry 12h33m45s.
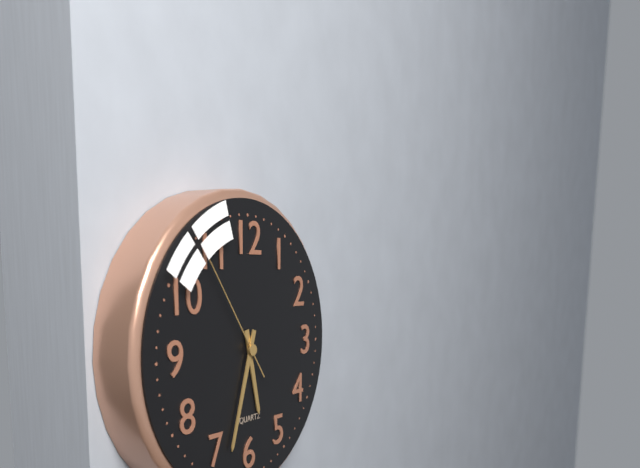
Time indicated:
5h33m54s
